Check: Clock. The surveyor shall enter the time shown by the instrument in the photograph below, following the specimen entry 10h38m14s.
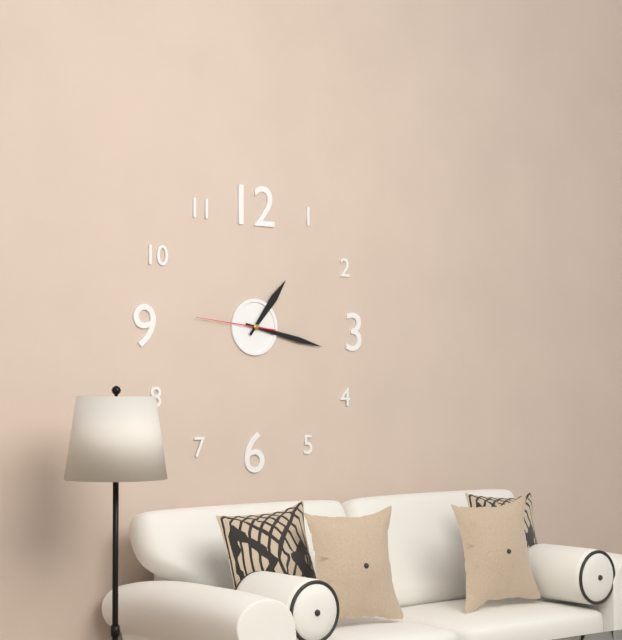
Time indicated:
1h17m46s
